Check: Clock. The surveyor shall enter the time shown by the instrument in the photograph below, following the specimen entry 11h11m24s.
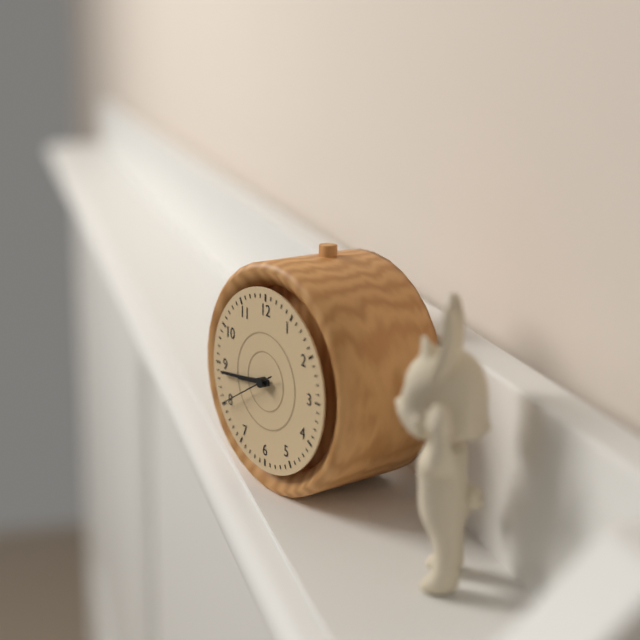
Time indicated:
8h44m40s
